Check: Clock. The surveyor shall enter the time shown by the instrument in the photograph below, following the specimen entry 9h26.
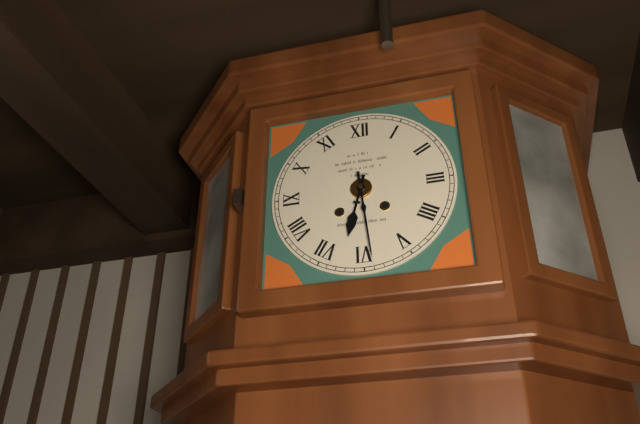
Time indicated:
6h29
